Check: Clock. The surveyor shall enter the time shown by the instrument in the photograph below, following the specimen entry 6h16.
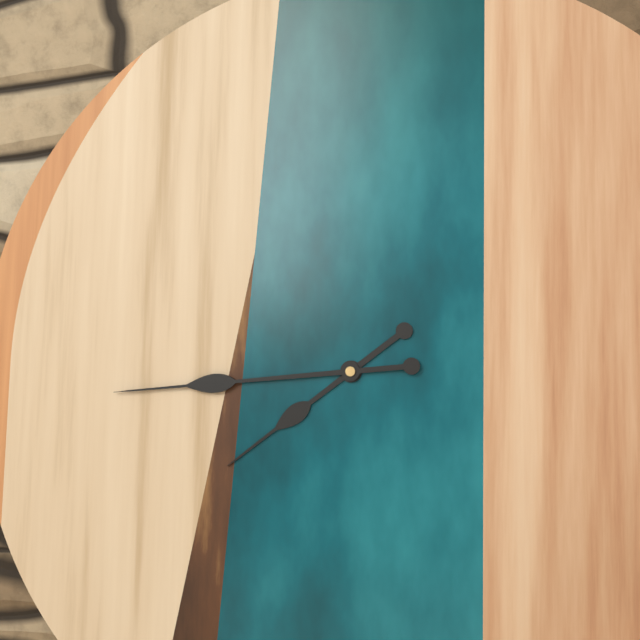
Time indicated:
7h44
